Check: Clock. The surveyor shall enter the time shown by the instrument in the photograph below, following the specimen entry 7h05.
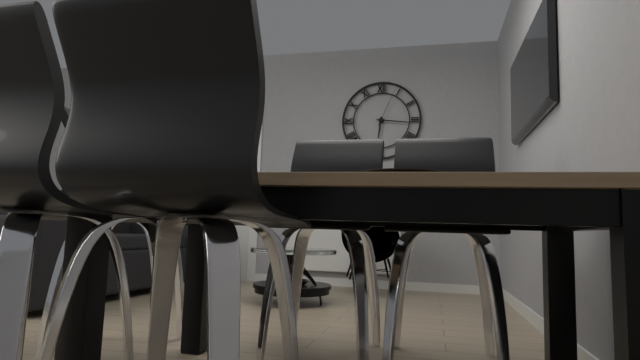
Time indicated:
6h16
